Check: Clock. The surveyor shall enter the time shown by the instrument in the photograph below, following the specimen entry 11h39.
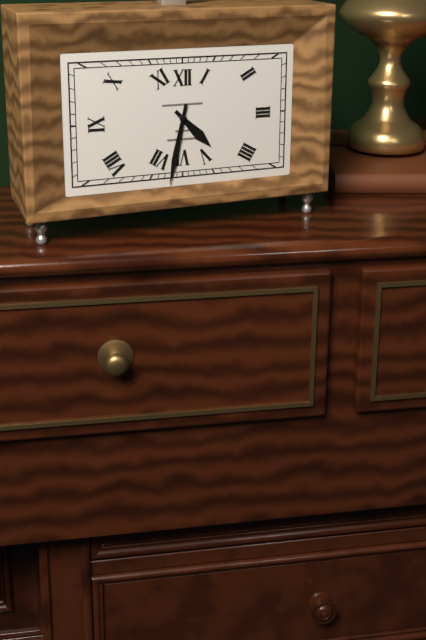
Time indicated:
4h32
